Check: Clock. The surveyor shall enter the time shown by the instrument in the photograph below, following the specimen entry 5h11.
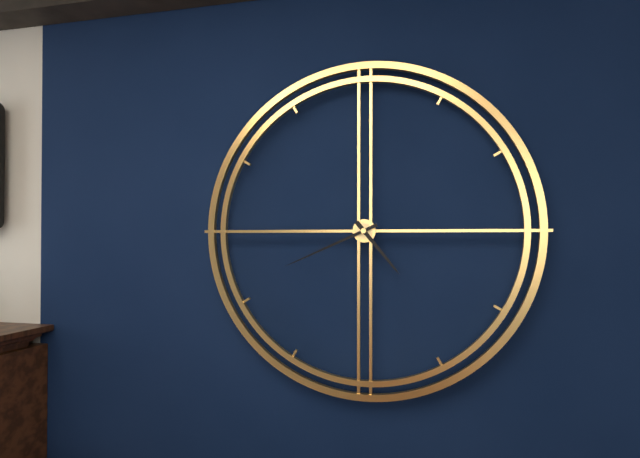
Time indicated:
4h41
